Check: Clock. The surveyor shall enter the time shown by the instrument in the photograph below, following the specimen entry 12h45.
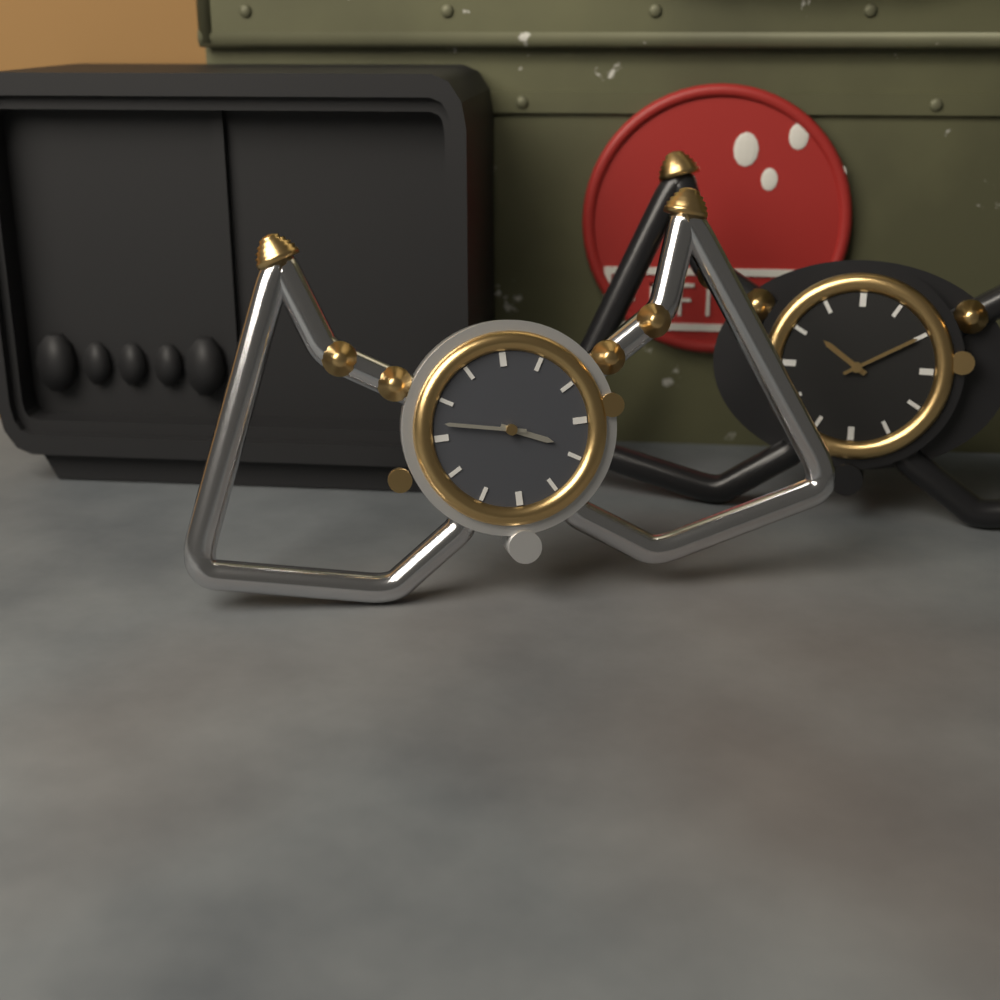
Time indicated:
3h47
